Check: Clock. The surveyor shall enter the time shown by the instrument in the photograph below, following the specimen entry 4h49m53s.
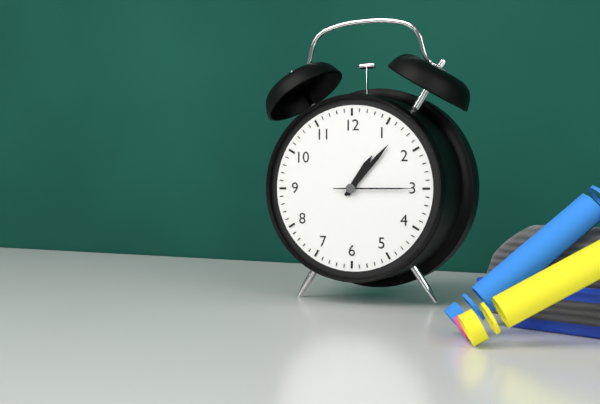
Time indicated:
1h07m15s
